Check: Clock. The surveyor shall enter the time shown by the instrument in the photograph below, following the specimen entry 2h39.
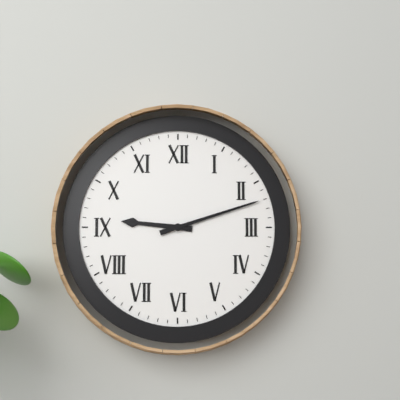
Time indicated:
9h12
